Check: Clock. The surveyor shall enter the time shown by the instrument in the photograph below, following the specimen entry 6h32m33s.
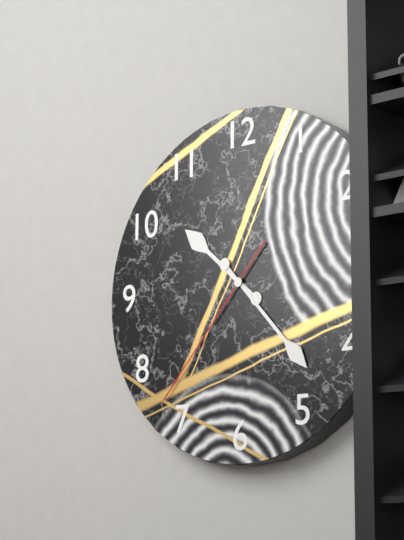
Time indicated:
10h23m37s
